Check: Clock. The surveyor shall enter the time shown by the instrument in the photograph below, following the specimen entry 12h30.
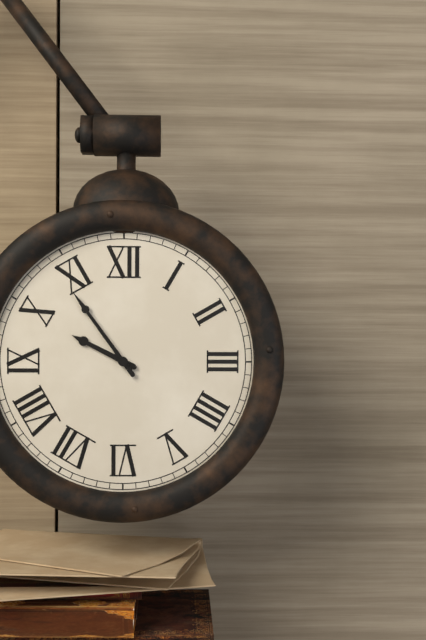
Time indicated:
9h54
